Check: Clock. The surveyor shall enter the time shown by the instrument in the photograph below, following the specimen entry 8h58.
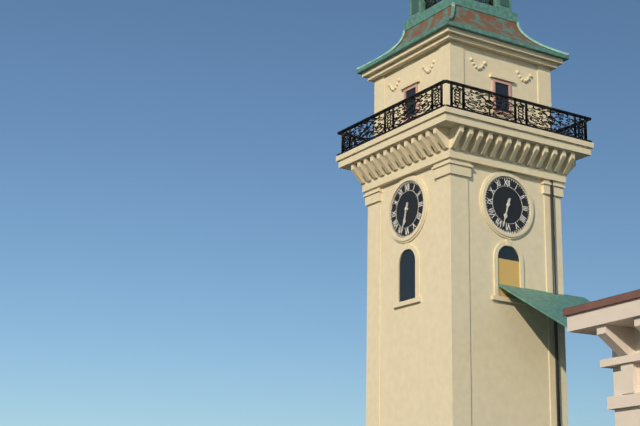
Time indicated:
6h33
